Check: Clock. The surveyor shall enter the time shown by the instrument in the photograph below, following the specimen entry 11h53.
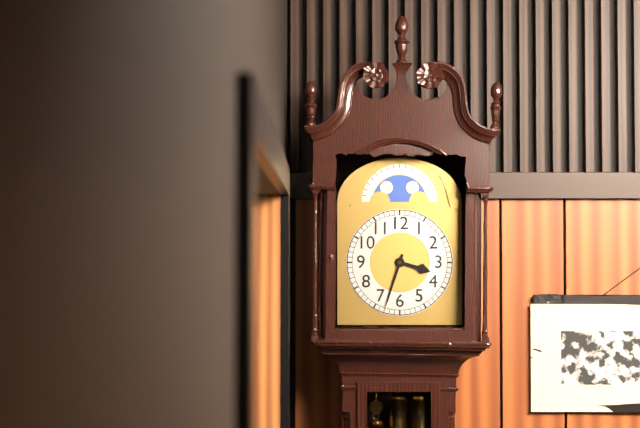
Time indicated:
3h33
